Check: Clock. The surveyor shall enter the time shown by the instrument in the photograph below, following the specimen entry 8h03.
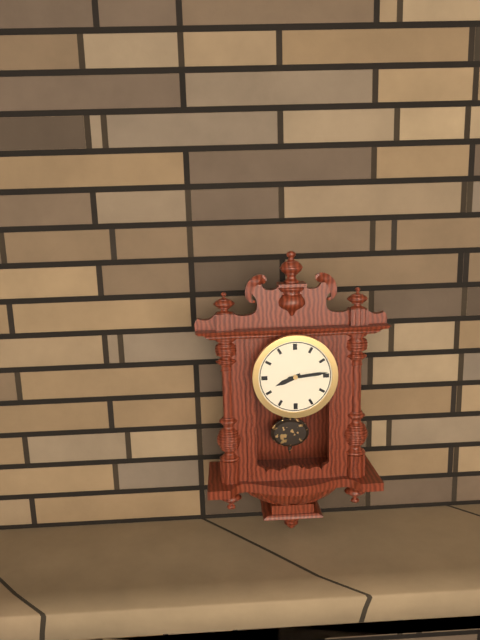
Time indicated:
8h14
